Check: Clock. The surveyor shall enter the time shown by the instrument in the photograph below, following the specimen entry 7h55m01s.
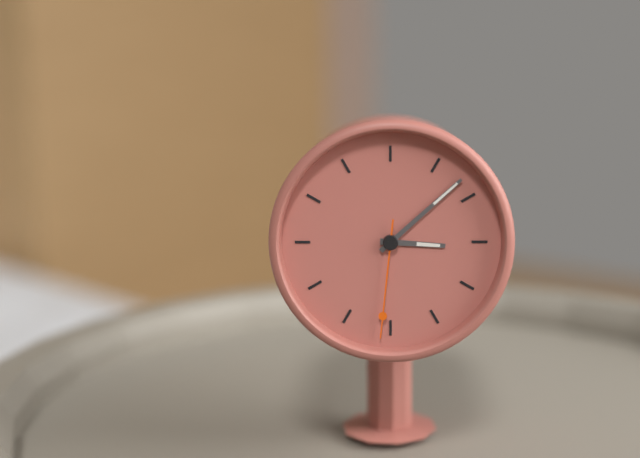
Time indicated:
3h08m31s
